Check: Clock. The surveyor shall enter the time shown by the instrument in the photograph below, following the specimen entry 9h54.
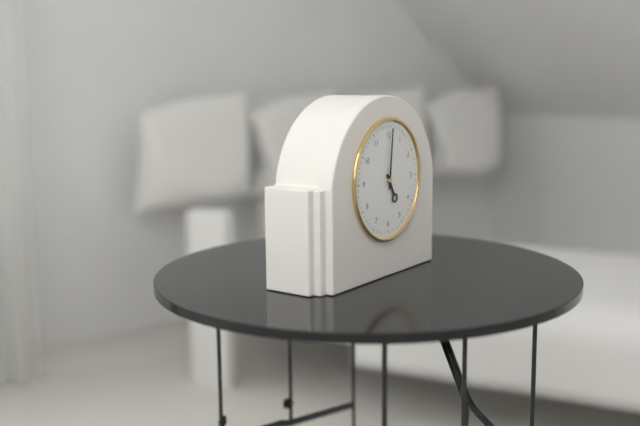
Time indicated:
5h01
